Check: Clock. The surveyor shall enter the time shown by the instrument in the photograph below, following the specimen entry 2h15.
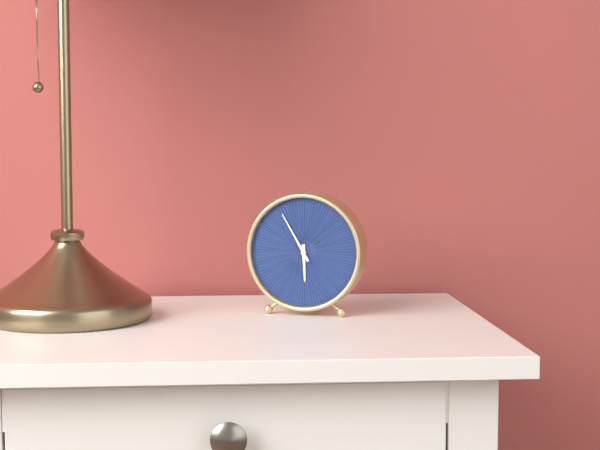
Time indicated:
5h55
